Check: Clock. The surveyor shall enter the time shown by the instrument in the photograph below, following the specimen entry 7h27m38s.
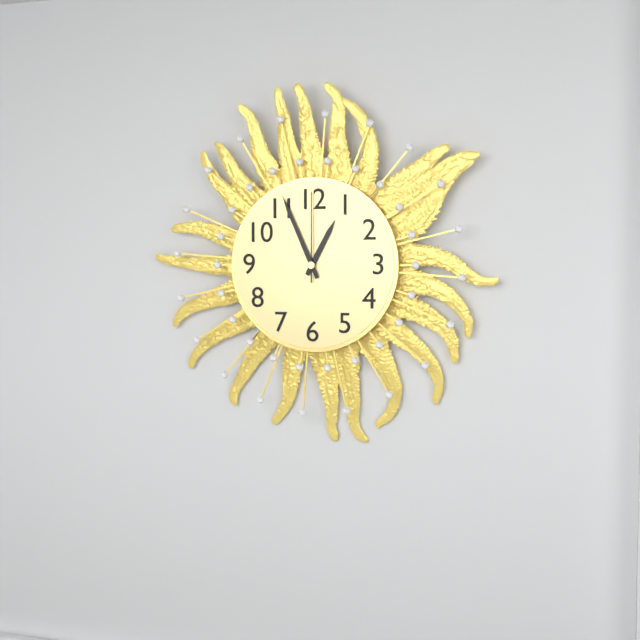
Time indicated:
12h56m00s
